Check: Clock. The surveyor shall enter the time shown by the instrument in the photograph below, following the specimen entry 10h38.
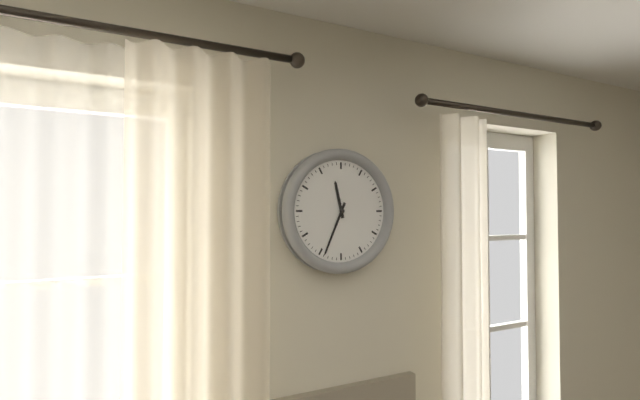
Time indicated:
11h34
